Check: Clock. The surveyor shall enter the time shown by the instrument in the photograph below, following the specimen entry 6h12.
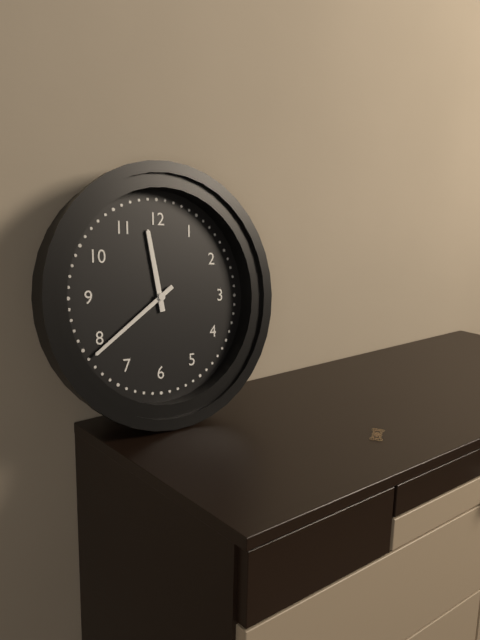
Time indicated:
11h39
